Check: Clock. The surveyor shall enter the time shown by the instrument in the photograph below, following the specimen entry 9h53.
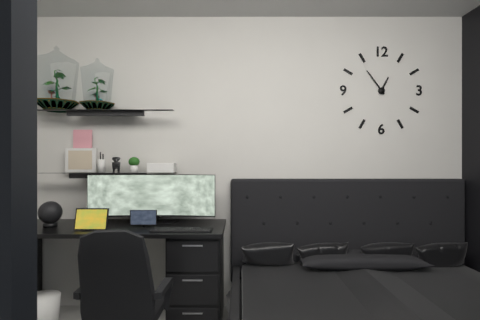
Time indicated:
12h54
